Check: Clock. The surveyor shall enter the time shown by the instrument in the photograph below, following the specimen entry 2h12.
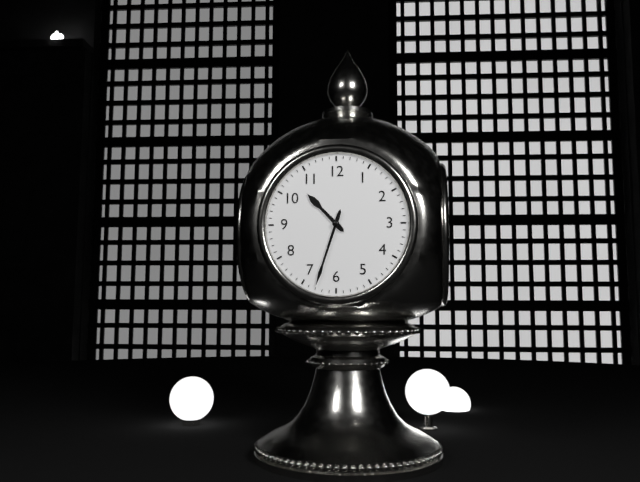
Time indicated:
10h33
